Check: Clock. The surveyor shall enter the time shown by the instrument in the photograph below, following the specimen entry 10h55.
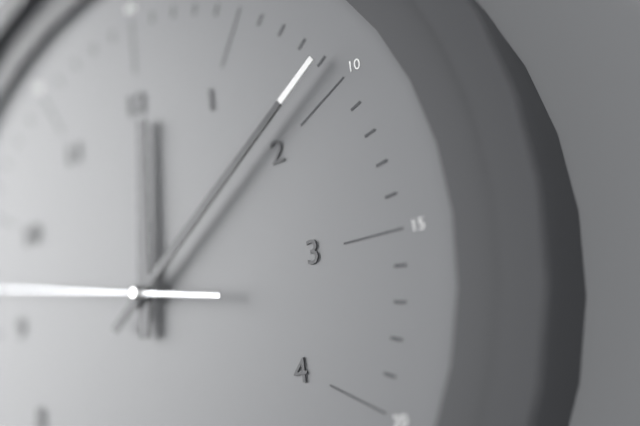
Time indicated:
12h09
